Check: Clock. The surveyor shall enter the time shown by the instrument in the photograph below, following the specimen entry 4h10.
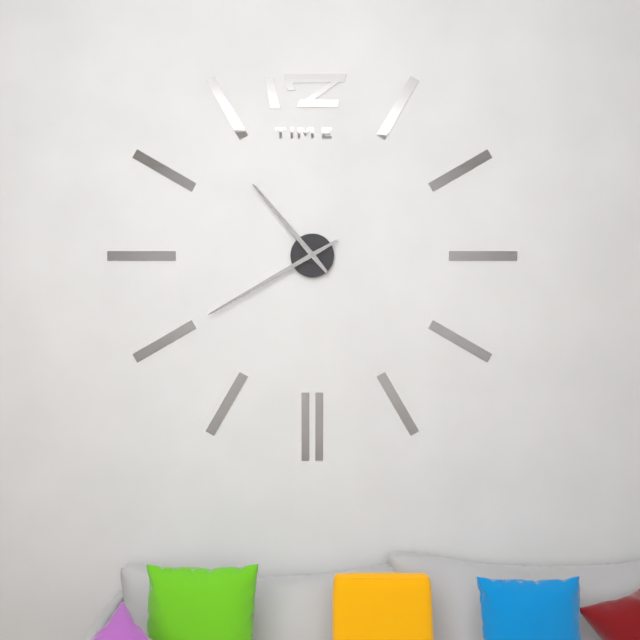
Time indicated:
10h40
